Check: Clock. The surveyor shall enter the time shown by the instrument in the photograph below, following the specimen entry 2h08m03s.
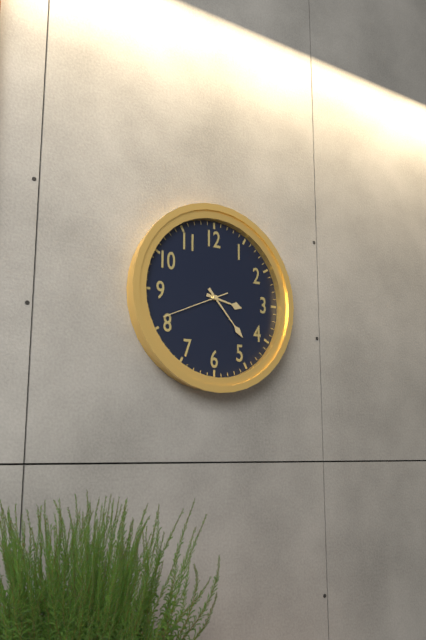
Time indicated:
3h23m41s
